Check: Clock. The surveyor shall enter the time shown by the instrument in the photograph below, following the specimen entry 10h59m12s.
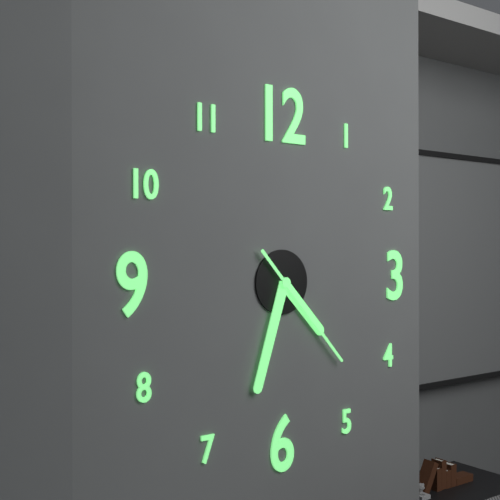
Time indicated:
4h33m23s
